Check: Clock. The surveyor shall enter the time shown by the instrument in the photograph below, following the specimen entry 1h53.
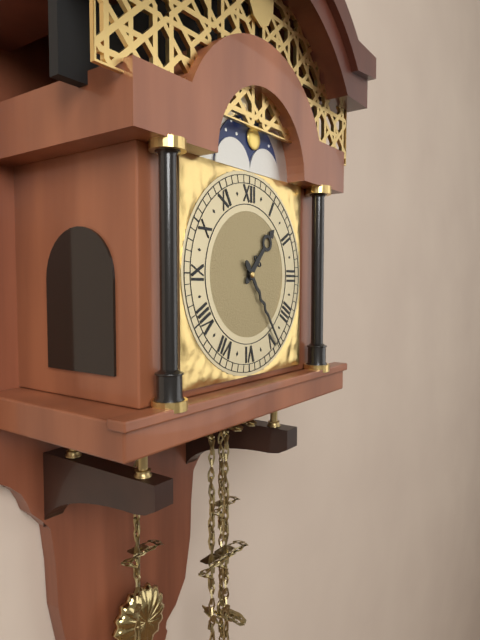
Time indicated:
1h24
